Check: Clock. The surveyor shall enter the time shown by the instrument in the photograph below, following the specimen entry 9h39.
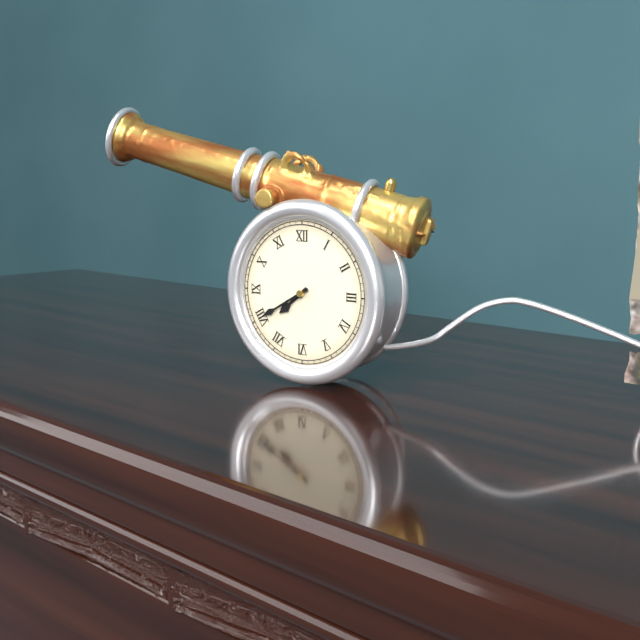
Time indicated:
7h40
